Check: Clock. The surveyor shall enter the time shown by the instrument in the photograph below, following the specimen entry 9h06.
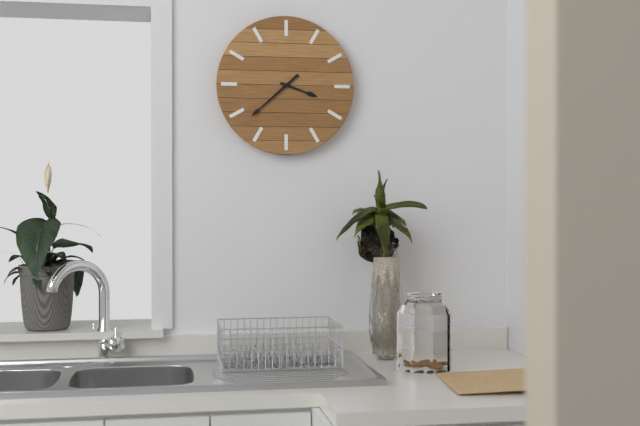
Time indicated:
3h38
